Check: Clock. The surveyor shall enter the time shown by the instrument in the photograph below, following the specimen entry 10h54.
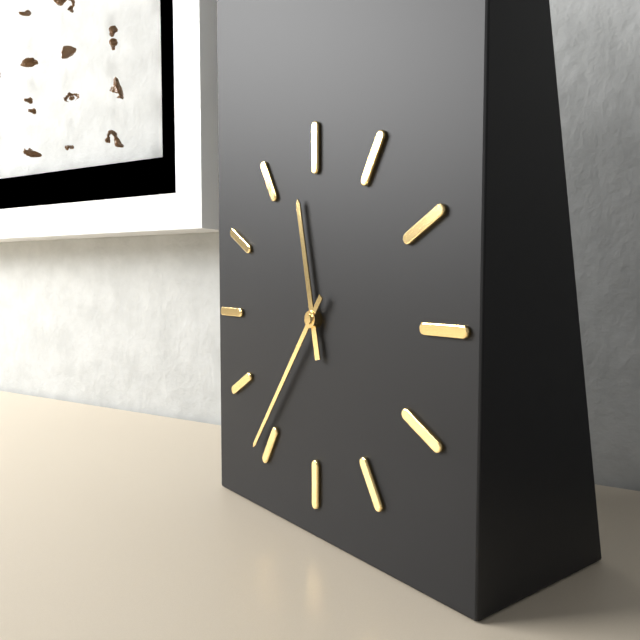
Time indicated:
11h36
